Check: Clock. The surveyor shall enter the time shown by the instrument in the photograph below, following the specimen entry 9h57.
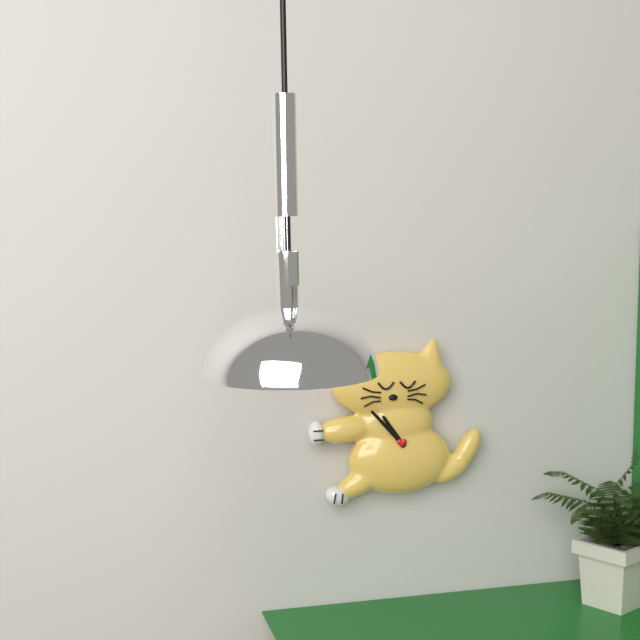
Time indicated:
10h53
